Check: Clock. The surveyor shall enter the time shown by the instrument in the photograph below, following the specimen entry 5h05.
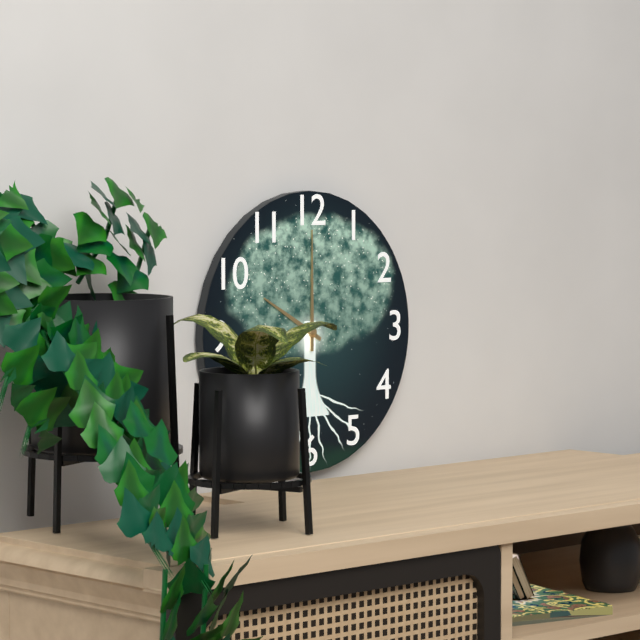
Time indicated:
10h00
